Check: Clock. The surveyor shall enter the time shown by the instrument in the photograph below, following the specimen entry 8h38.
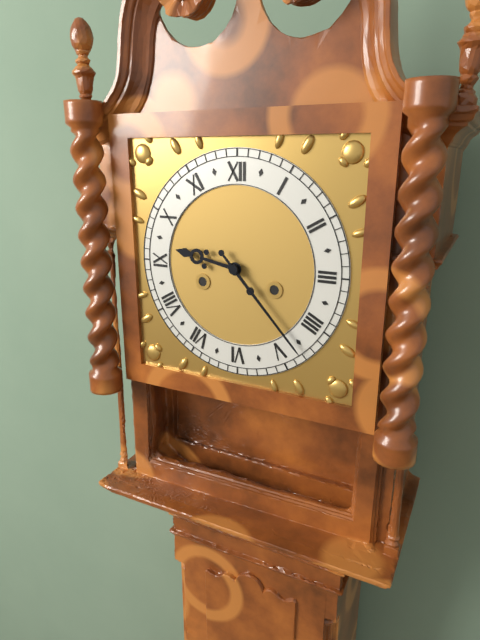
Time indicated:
9h23
